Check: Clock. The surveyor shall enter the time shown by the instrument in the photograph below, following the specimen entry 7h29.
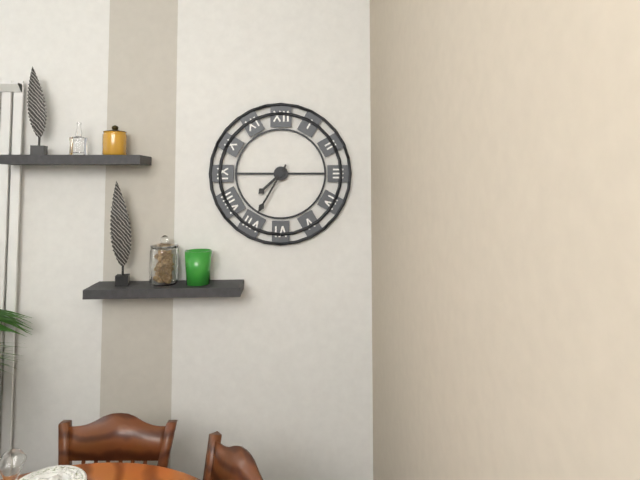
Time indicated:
7h35
